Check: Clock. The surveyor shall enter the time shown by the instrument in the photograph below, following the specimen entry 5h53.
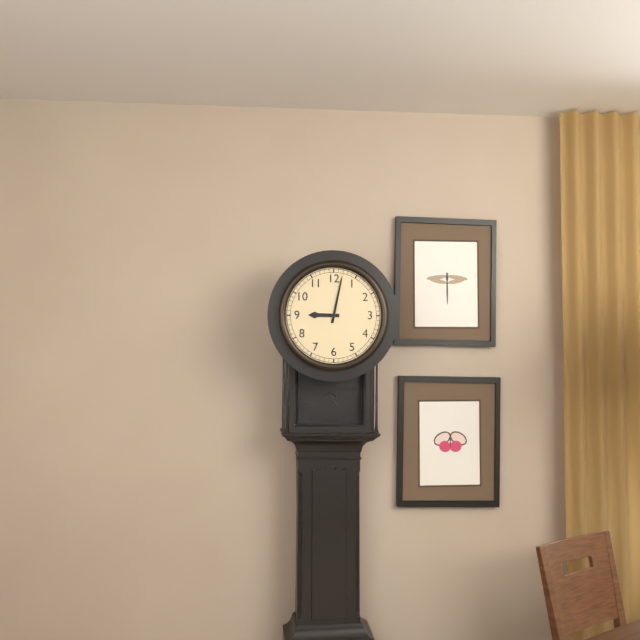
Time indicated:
9h02
